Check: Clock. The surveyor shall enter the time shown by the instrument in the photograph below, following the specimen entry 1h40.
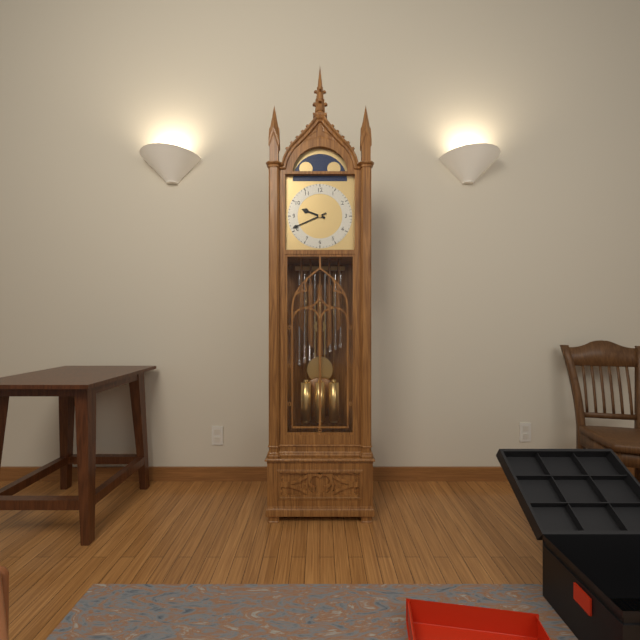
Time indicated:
9h41
